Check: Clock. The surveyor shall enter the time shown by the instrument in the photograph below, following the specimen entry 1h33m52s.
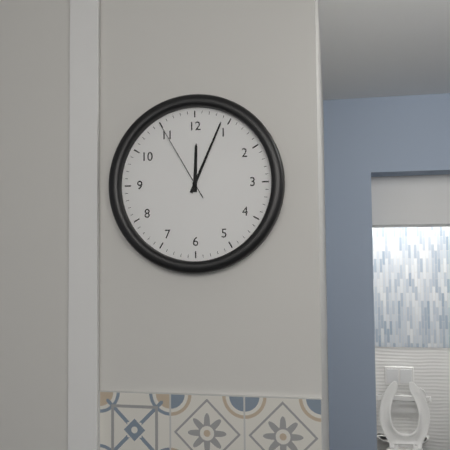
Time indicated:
12h04m55s
